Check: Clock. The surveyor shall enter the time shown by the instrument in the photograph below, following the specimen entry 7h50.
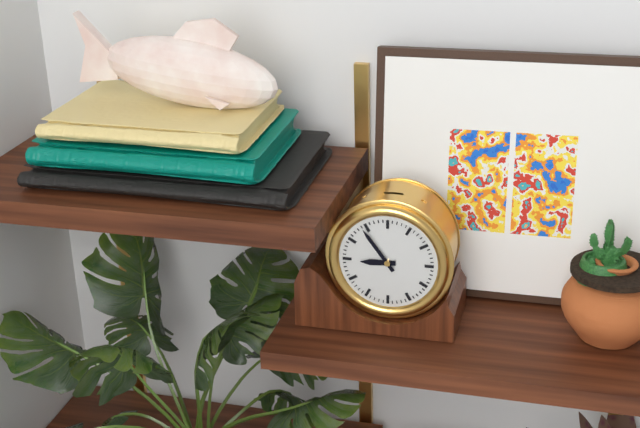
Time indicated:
8h54
